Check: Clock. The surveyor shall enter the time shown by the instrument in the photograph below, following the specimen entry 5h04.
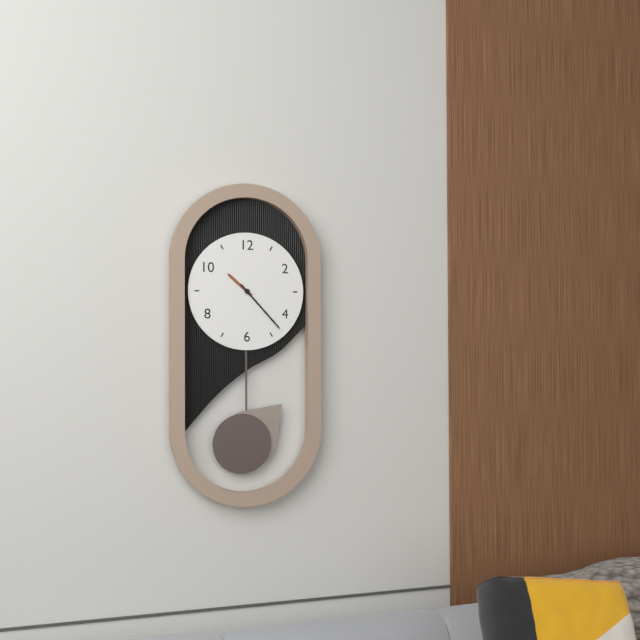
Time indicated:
10h23
